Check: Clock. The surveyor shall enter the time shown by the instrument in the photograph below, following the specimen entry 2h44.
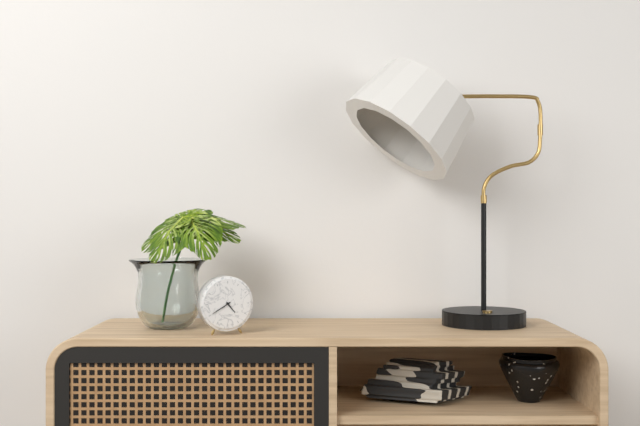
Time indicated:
4h40
